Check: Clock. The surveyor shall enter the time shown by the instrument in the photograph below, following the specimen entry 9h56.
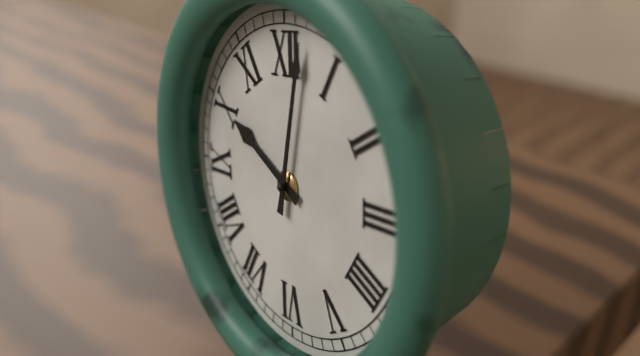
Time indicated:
10h02
